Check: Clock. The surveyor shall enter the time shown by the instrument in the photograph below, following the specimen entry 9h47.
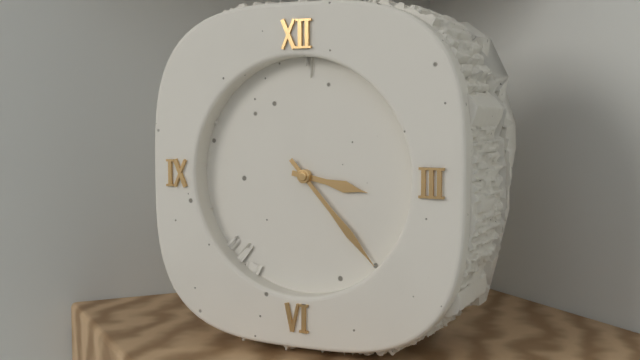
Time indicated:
3h23
